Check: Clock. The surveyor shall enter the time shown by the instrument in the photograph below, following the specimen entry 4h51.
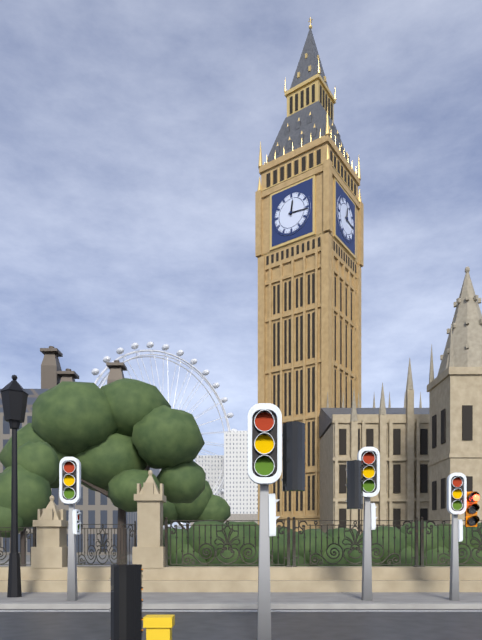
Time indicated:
12h16
